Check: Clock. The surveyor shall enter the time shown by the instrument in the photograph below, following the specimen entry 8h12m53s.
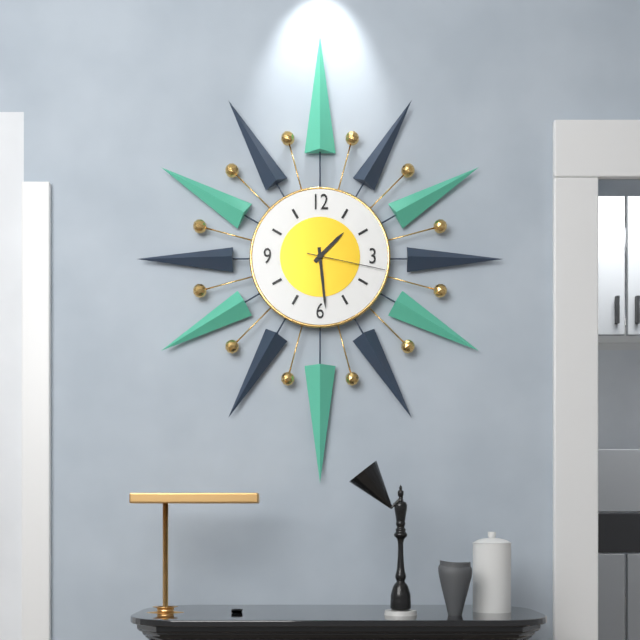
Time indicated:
1h29m17s
